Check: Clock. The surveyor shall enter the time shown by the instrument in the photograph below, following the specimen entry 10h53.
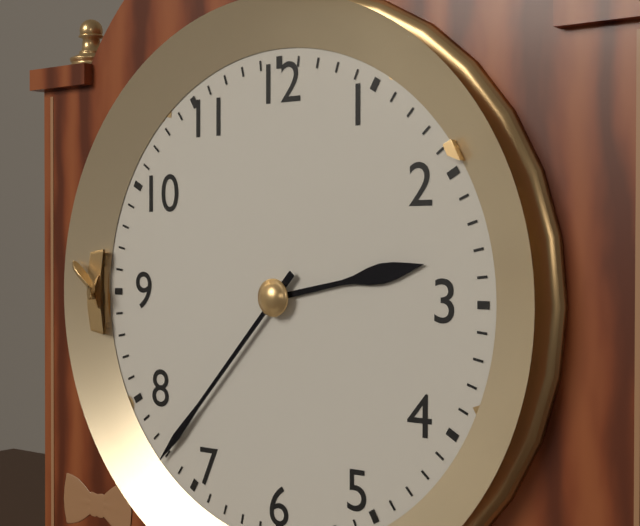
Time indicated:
2h37
